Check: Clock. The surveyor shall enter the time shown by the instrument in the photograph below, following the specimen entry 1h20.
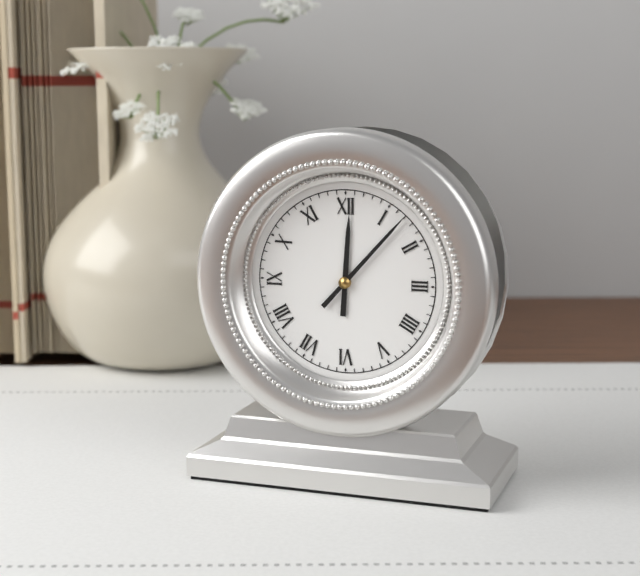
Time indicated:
12h07
